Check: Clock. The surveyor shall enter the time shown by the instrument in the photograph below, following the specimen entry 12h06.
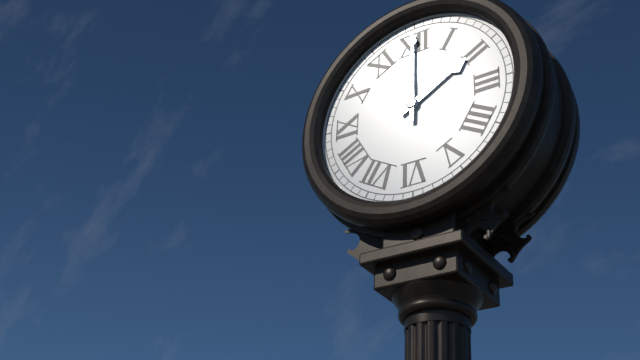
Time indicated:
2h00
